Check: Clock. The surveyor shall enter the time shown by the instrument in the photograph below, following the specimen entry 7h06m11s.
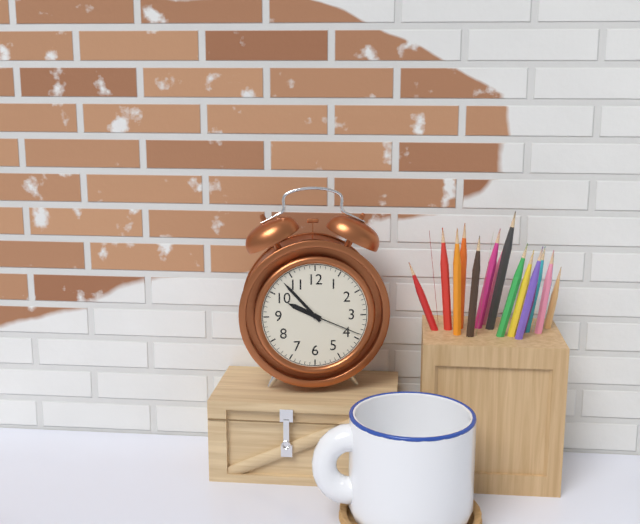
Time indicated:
9h53m19s
